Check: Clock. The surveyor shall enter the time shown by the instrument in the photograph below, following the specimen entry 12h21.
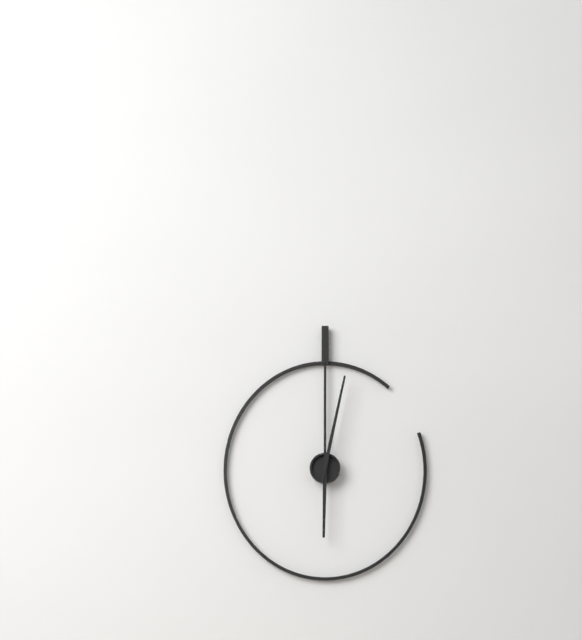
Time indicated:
6h02
